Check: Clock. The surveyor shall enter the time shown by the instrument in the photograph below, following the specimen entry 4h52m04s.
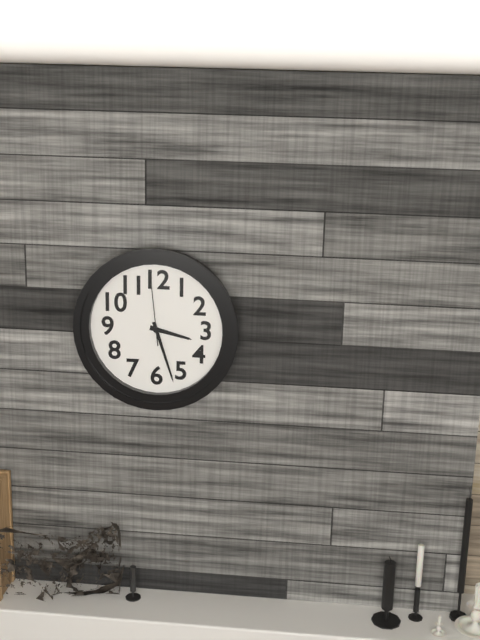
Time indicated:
3h27m59s
